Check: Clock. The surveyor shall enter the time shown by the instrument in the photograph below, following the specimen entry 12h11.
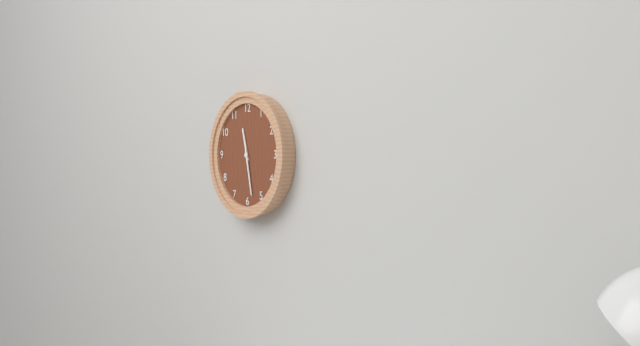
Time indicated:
11h28
